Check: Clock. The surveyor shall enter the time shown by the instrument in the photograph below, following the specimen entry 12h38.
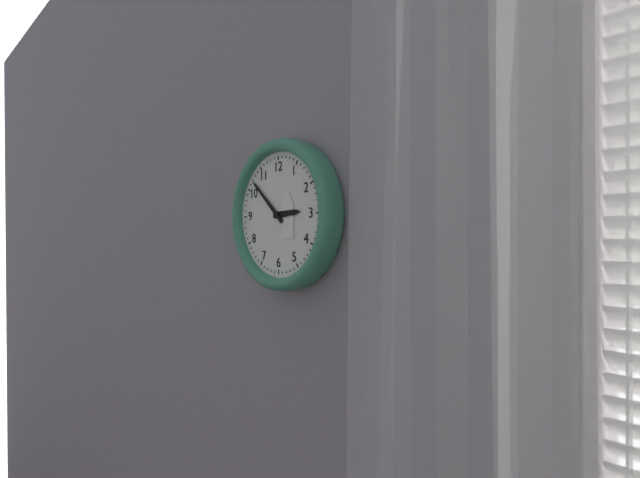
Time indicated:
2h52
